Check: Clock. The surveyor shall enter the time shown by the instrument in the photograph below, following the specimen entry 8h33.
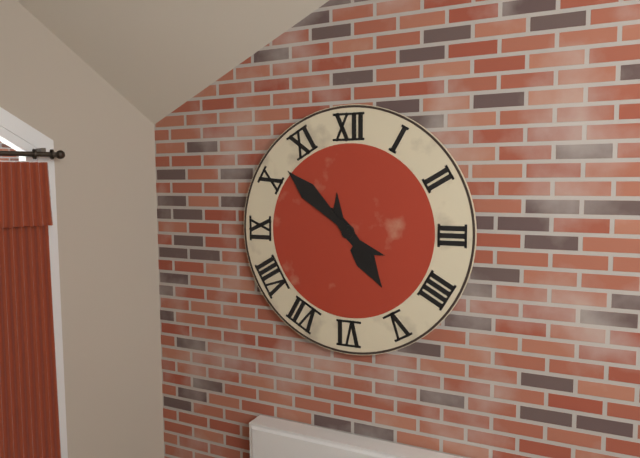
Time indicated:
4h52
